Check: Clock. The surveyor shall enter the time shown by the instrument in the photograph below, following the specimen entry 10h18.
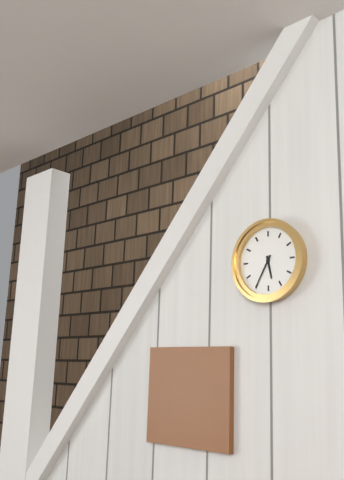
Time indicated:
5h35
